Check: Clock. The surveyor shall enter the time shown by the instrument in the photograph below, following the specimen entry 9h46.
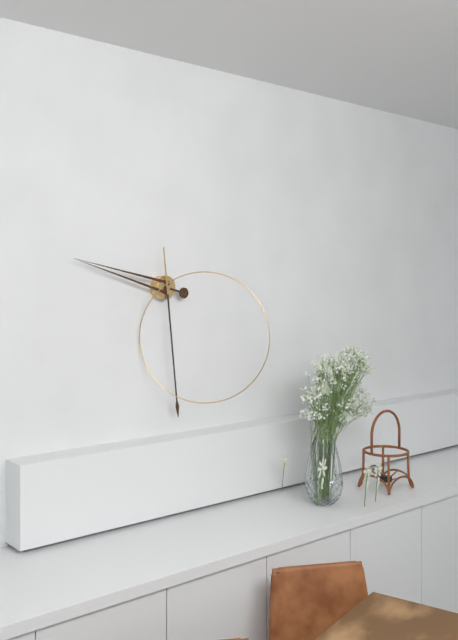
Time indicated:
9h29
